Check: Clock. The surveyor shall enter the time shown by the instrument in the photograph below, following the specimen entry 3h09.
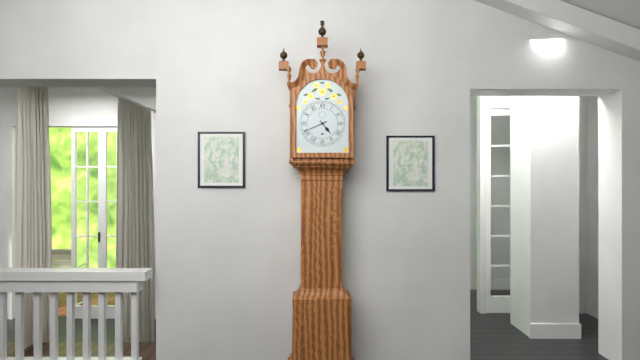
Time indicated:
4h41
